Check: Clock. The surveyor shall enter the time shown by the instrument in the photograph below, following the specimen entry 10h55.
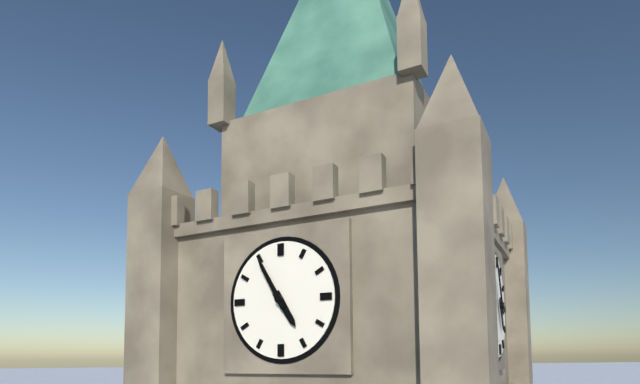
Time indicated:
4h55
